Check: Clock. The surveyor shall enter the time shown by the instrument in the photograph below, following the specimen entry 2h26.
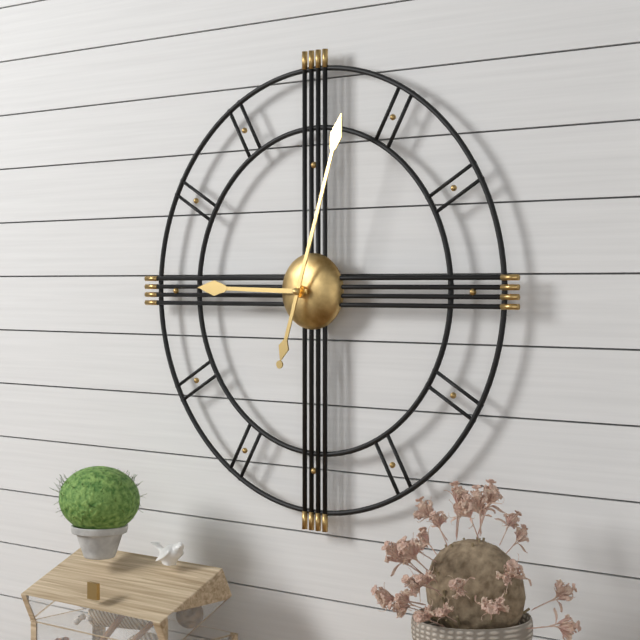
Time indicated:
9h03
